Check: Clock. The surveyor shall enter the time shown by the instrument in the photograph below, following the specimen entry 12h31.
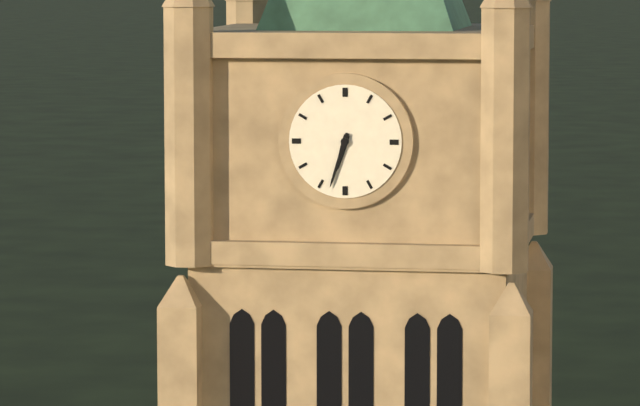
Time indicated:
6h33
